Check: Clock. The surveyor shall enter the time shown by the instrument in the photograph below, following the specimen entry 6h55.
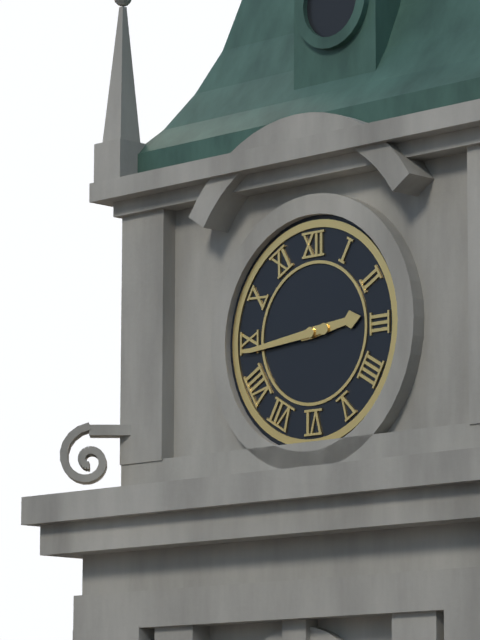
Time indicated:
2h44
